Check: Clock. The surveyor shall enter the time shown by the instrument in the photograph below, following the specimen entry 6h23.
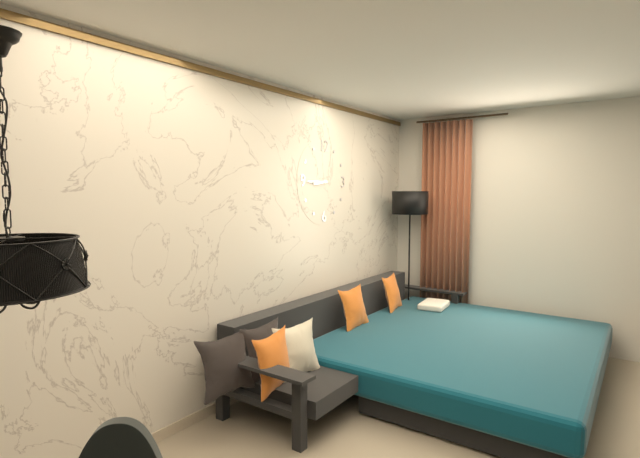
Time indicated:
8h45
